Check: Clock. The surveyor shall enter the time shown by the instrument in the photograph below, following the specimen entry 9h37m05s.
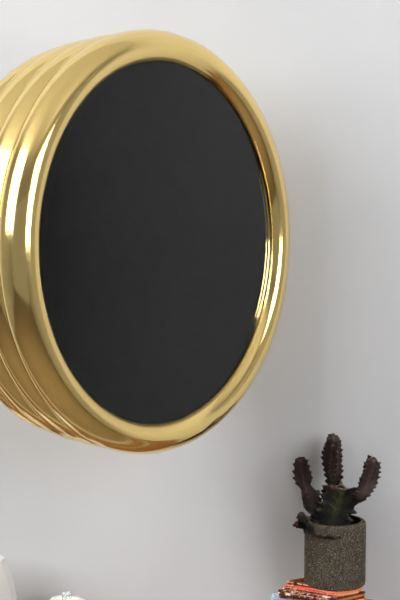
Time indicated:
2h03m20s
